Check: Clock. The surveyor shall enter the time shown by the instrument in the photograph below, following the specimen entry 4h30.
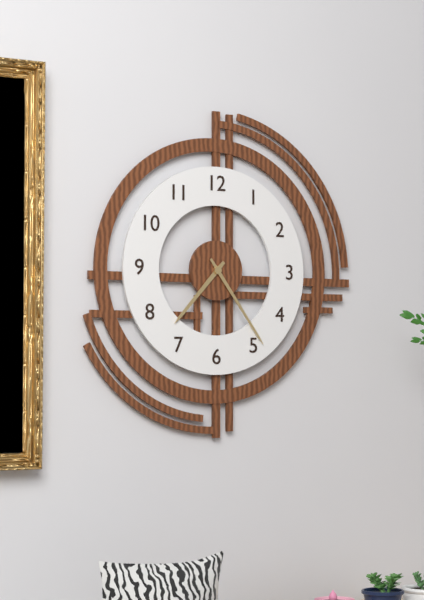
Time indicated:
7h24
